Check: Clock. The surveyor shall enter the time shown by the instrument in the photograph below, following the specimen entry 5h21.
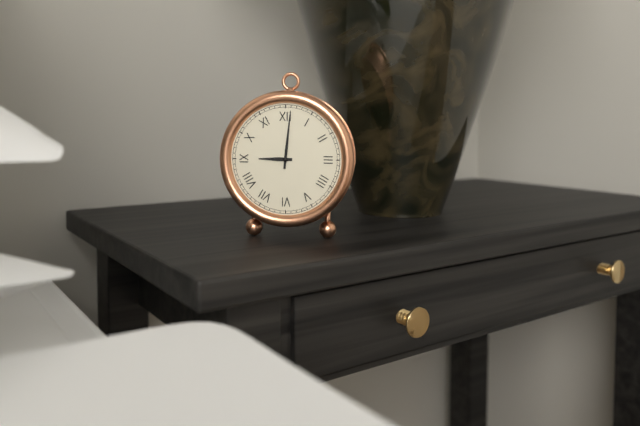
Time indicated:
9h01
